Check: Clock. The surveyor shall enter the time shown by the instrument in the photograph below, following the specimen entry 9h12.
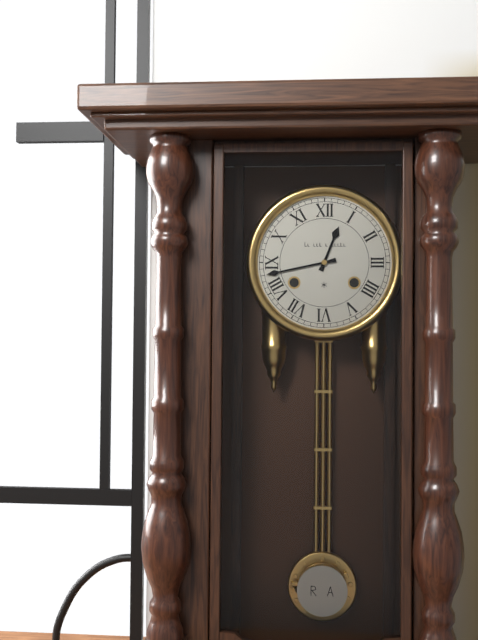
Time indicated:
12h43
